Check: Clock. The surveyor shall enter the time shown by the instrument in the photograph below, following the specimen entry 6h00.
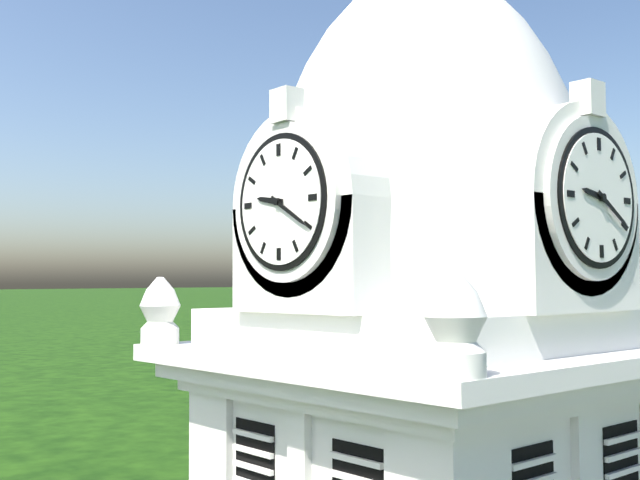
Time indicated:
9h20
